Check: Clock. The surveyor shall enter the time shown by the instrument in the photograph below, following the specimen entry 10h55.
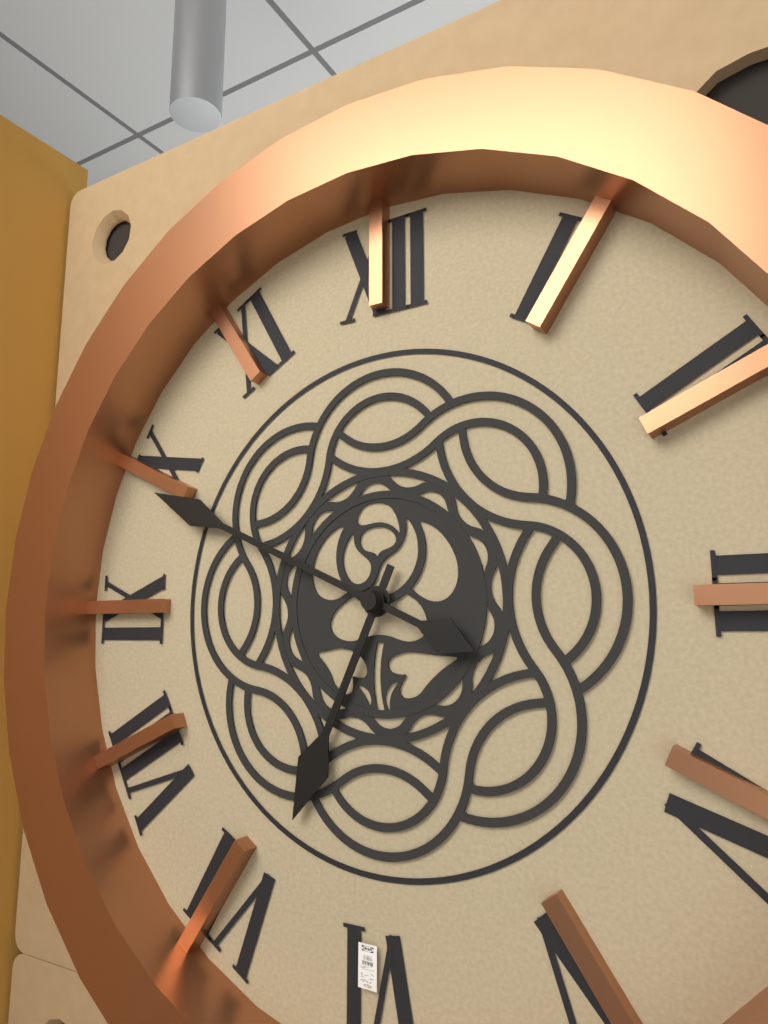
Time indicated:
6h49
